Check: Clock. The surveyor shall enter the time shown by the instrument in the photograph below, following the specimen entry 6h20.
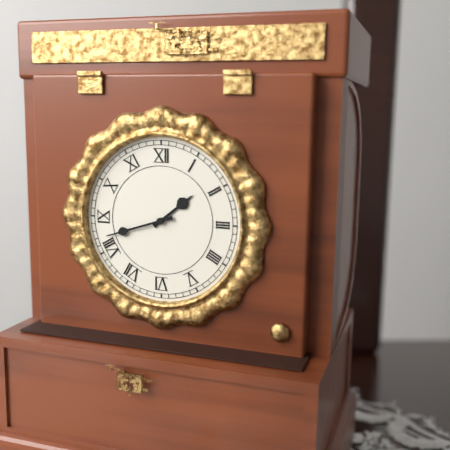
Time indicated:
1h42
